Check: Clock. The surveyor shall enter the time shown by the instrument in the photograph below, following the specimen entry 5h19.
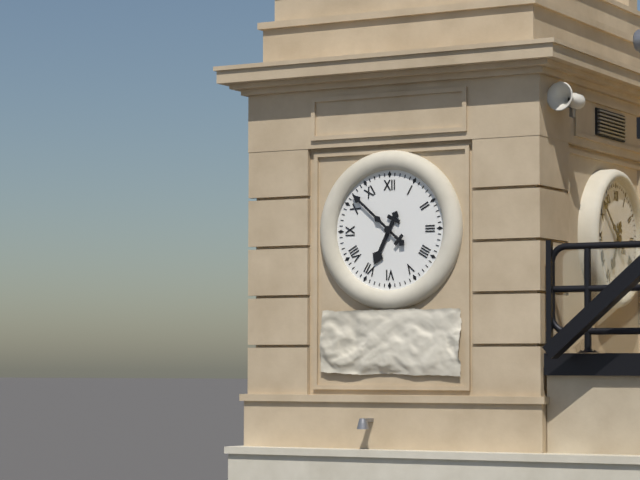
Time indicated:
6h52
